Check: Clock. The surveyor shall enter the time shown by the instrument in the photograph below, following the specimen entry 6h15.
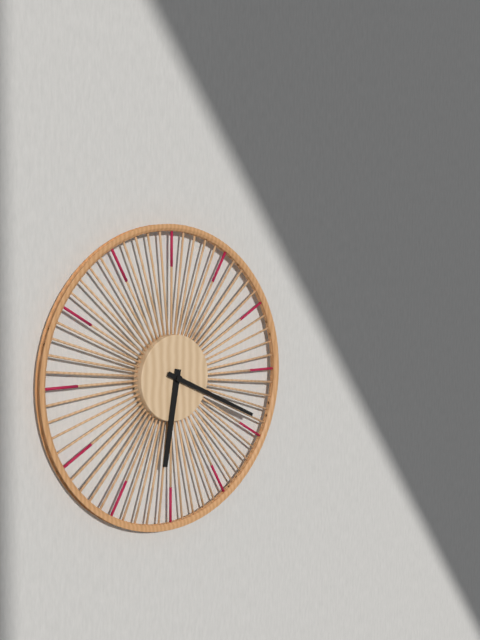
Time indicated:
6h19
